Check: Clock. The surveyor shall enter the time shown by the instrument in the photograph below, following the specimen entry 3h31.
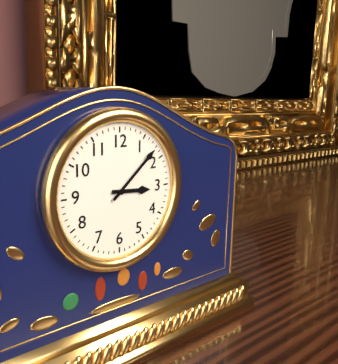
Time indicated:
3h08
